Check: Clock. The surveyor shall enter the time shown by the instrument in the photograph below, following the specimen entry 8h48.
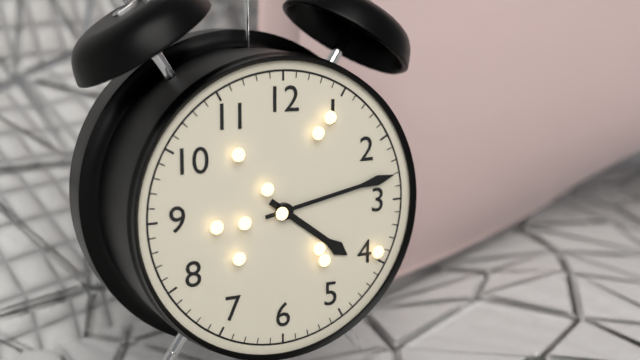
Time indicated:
4h13
